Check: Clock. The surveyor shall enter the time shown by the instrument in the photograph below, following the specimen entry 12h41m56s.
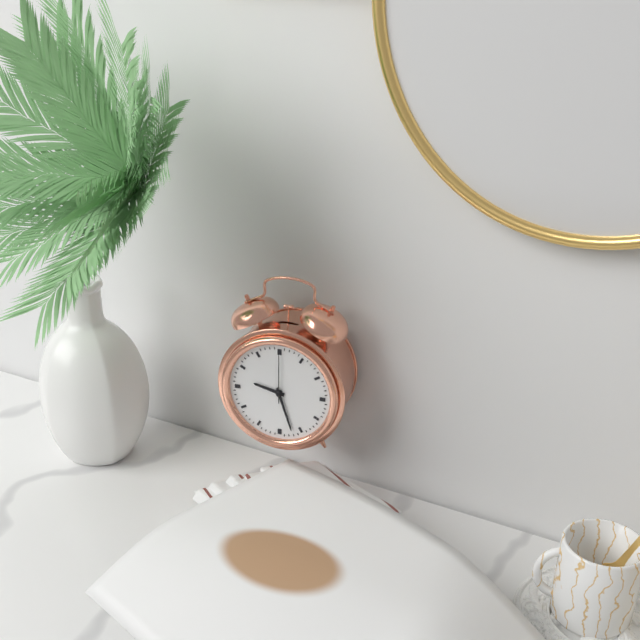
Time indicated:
9h27m00s
